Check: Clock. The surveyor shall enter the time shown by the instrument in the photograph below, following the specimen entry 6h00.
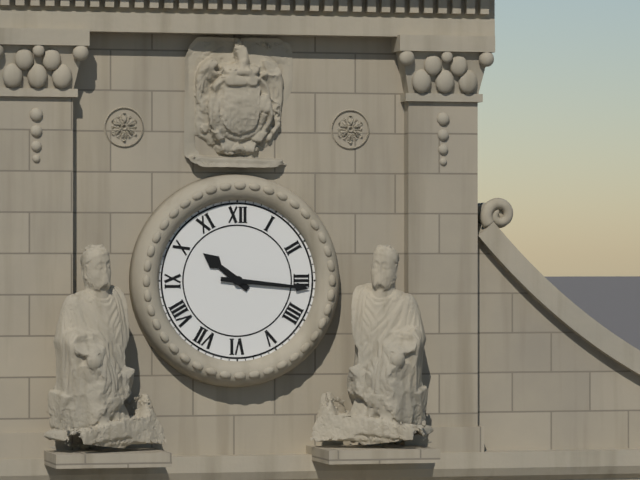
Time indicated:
10h16
